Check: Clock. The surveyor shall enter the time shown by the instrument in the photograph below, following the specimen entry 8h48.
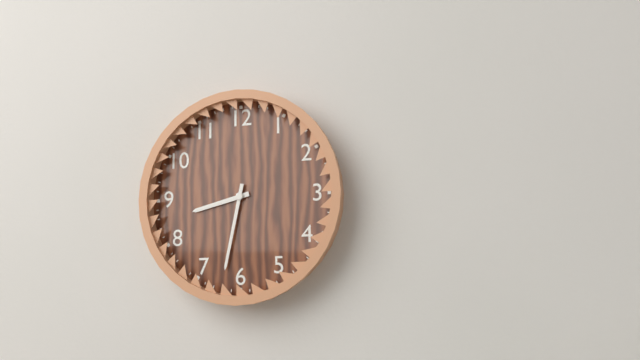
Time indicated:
8h32
